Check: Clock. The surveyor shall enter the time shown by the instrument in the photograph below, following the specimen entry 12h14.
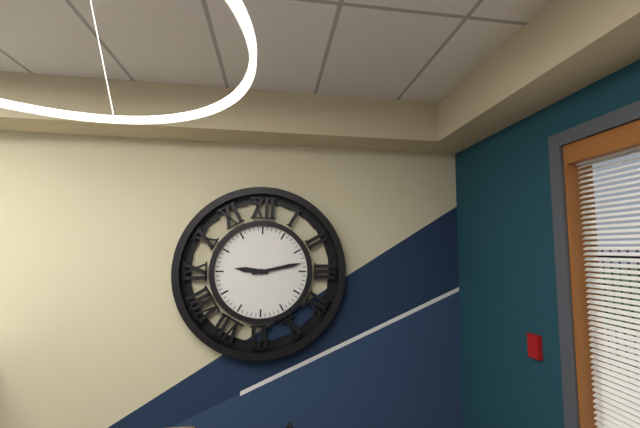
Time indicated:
9h13
